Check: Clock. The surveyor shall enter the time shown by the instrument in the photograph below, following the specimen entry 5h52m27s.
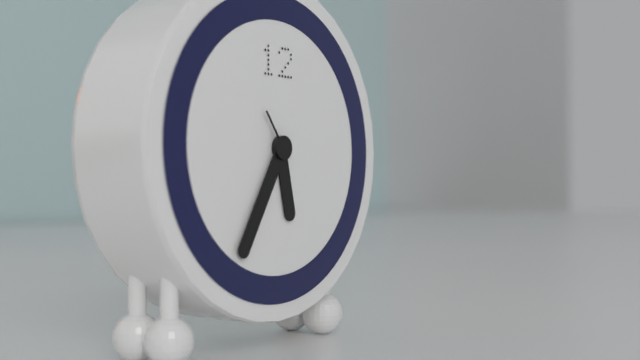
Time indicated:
5h35m54s
